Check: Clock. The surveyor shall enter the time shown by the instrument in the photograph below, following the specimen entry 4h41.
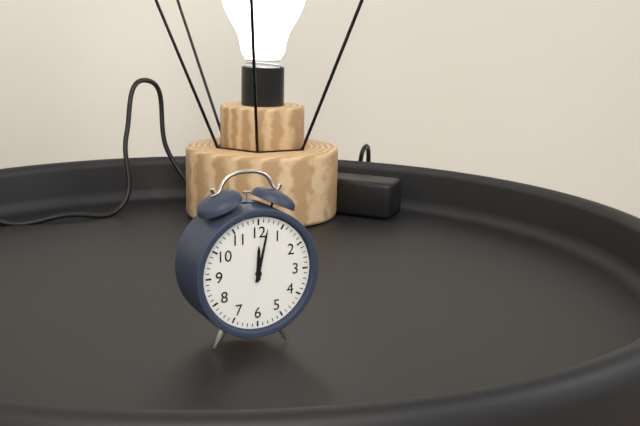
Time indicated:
12h02
